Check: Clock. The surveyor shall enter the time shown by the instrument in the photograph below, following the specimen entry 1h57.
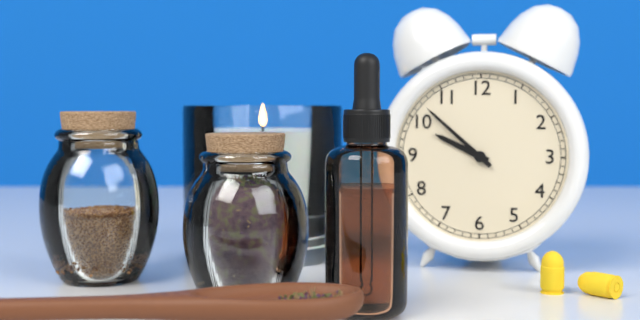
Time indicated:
9h52
